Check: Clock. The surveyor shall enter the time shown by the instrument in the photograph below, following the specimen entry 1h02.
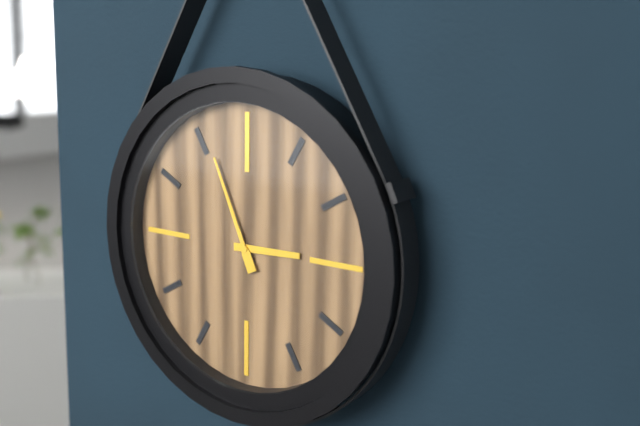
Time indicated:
2h56
